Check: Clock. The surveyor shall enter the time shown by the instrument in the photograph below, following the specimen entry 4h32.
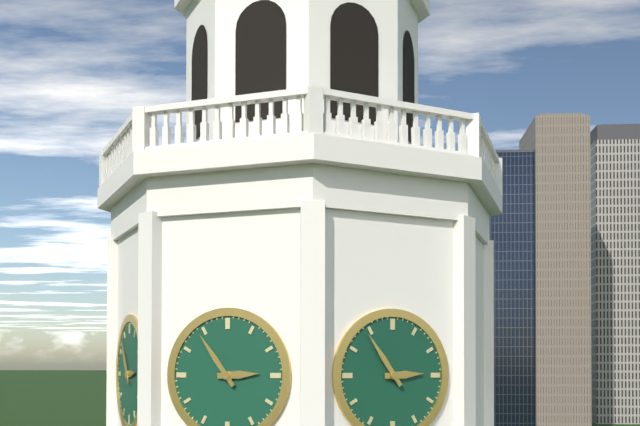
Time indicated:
2h54
